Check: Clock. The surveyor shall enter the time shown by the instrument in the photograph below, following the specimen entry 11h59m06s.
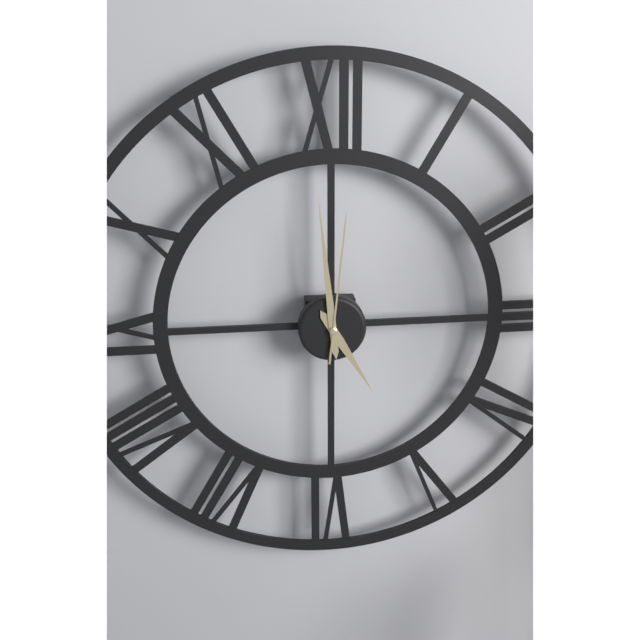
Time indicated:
4h59m01s
